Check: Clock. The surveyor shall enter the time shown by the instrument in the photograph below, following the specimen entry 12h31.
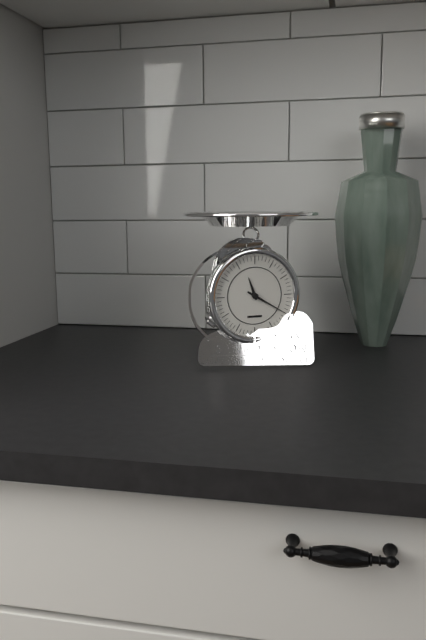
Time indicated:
11h20
